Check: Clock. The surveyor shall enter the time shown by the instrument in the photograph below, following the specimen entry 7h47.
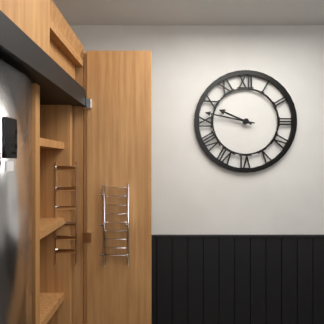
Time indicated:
9h47
